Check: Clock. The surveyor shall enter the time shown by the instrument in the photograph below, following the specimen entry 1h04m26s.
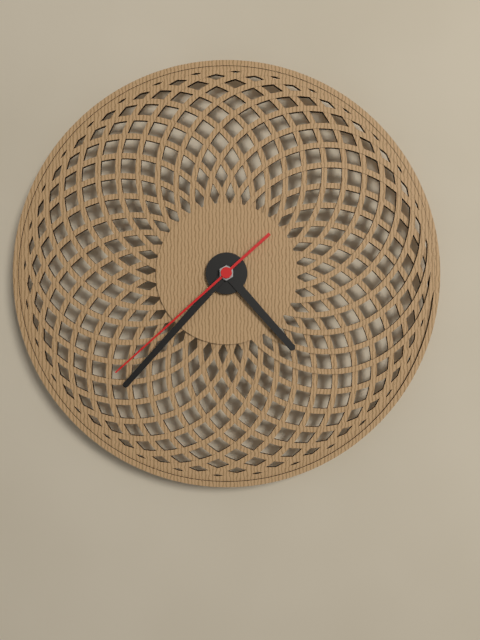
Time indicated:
4h37m38s
